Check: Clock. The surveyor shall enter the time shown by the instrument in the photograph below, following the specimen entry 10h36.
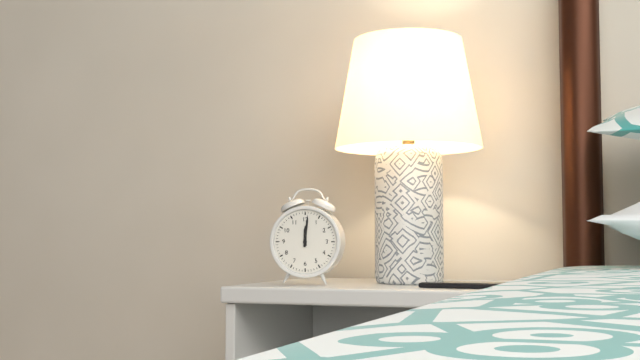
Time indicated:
12h01
